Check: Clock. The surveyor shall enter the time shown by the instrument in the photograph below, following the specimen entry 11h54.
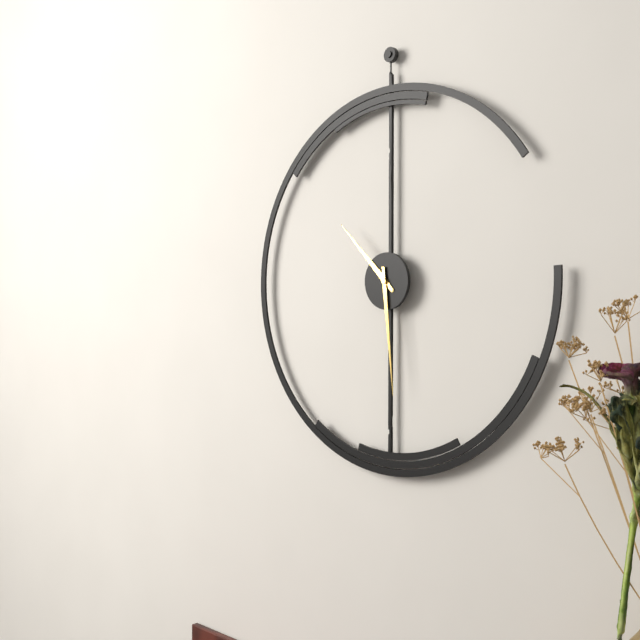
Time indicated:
10h29
